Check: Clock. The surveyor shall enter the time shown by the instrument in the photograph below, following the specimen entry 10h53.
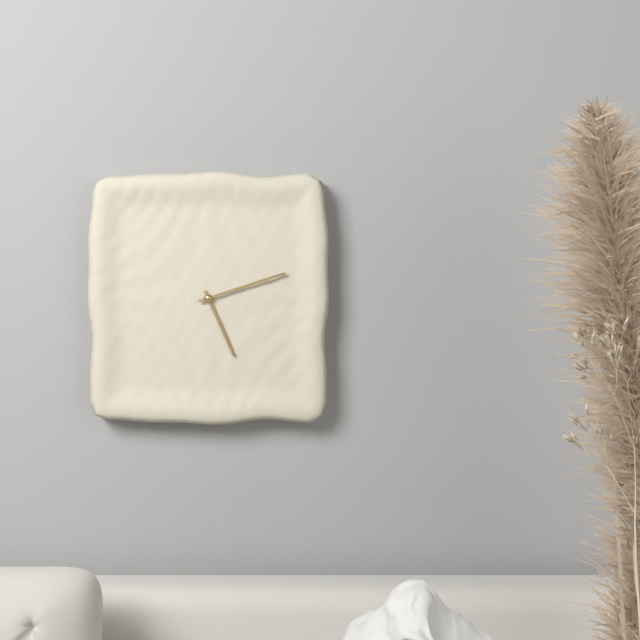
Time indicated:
5h12
